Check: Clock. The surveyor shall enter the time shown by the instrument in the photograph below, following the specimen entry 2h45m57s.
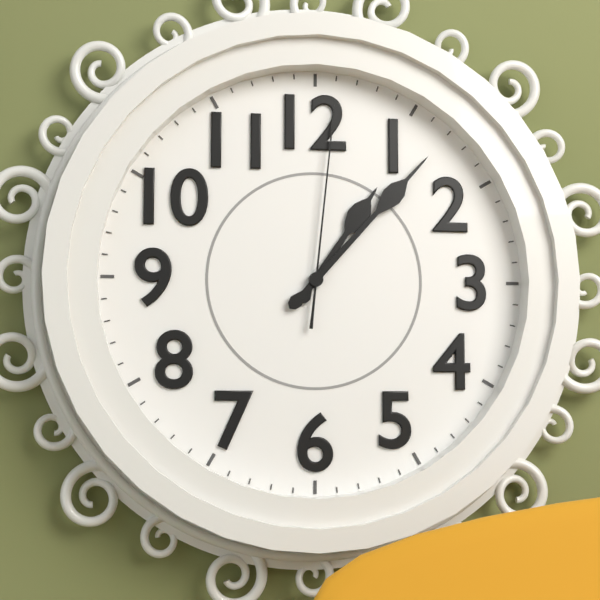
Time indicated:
1h07m01s
